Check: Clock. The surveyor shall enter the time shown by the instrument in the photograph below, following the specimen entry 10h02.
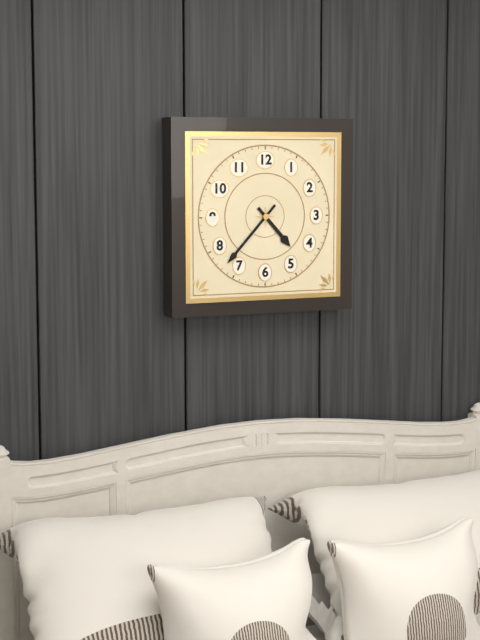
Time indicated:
4h37
